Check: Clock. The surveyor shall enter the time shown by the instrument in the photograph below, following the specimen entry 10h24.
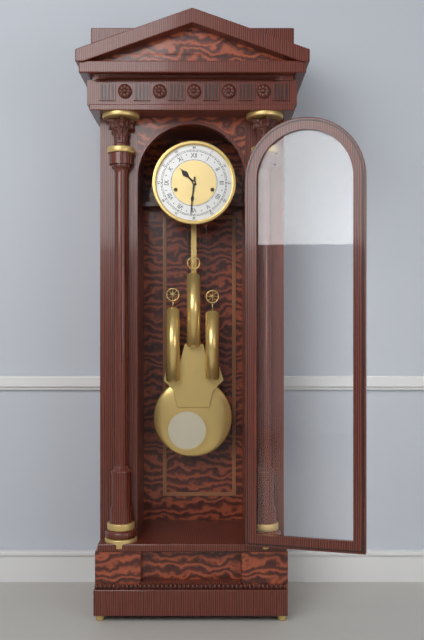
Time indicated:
10h31
